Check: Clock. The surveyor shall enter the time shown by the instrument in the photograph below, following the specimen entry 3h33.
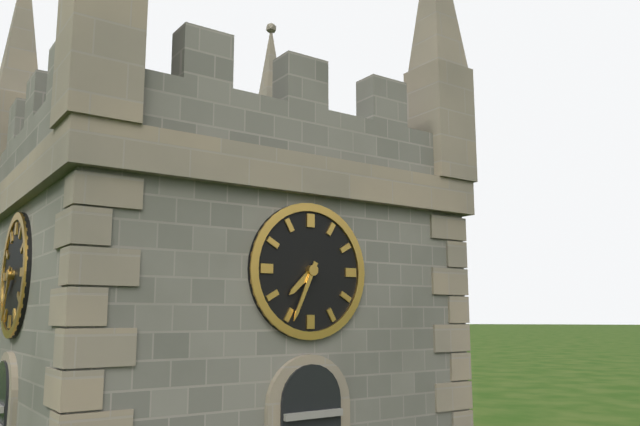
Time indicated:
7h34
